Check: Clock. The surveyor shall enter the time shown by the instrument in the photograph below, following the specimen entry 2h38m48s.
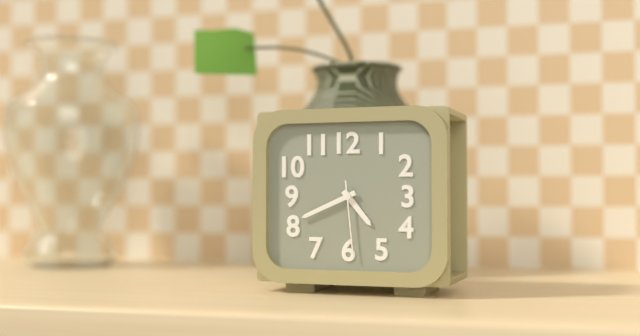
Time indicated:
4h41m29s
